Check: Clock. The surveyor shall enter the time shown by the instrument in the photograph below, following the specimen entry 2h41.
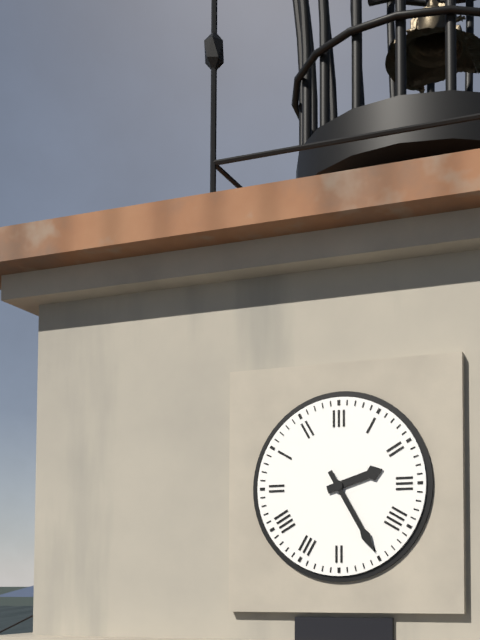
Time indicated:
2h25
